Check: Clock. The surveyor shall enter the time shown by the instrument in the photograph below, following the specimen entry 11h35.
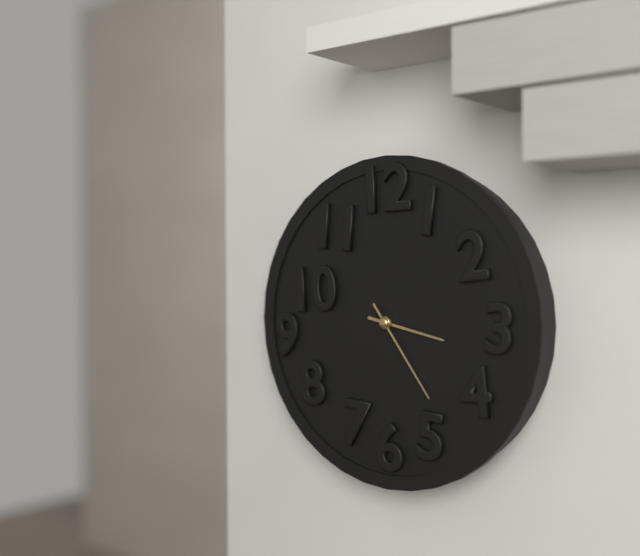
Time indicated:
3h24
